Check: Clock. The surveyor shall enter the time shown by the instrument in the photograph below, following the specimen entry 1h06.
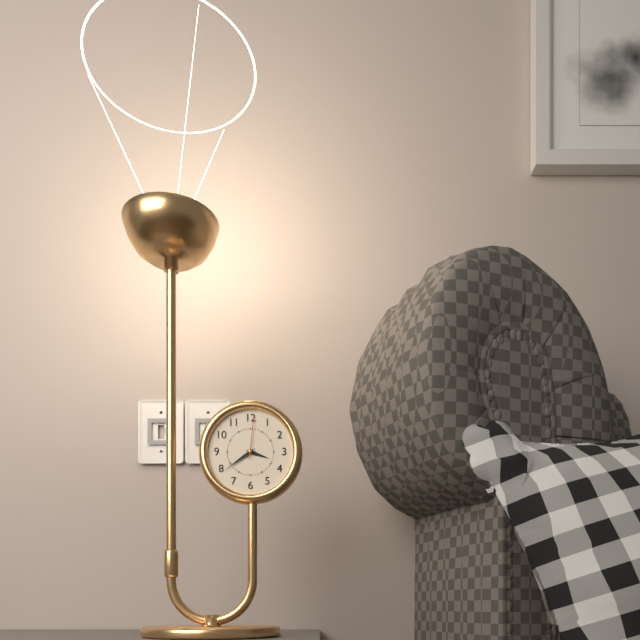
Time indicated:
3h39
